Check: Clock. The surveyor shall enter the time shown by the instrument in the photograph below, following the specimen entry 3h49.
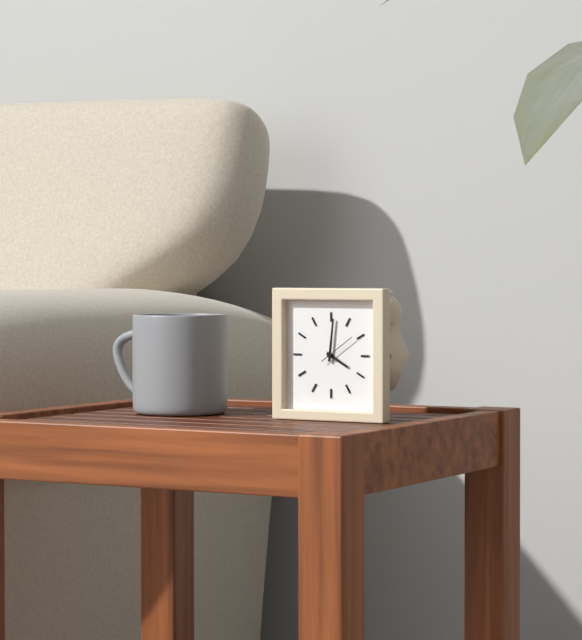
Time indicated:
4h01
